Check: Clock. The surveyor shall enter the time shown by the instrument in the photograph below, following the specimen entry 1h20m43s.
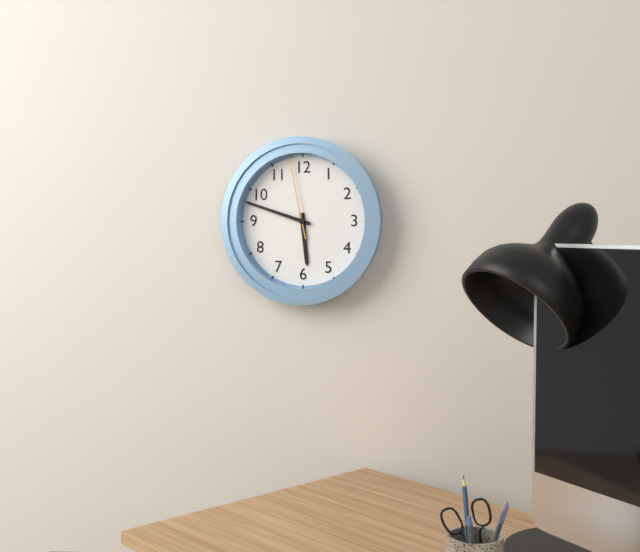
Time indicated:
5h48m58s
